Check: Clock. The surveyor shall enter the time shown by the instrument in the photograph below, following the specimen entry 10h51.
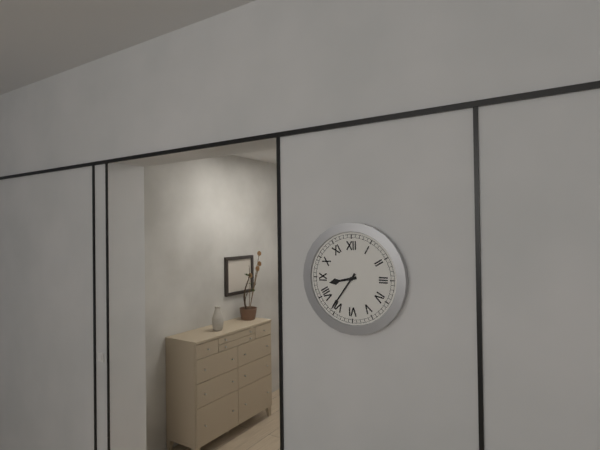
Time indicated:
8h36
